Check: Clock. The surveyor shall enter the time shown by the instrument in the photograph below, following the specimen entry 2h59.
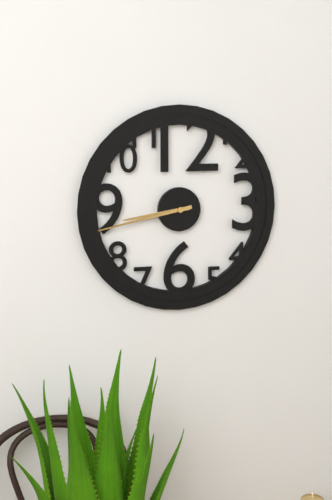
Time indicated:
8h43
